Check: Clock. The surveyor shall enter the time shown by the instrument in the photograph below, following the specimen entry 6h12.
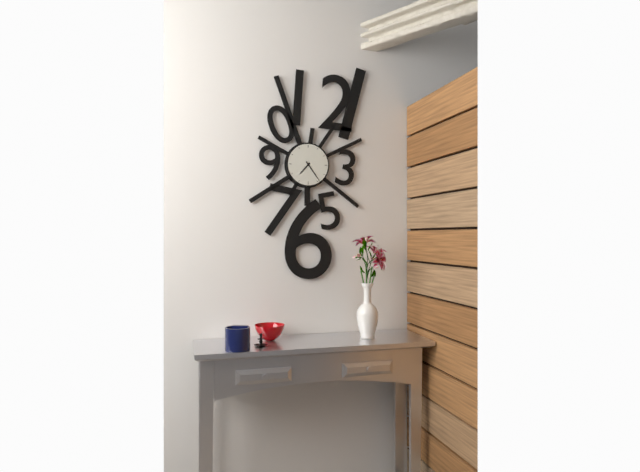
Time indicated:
7h24
